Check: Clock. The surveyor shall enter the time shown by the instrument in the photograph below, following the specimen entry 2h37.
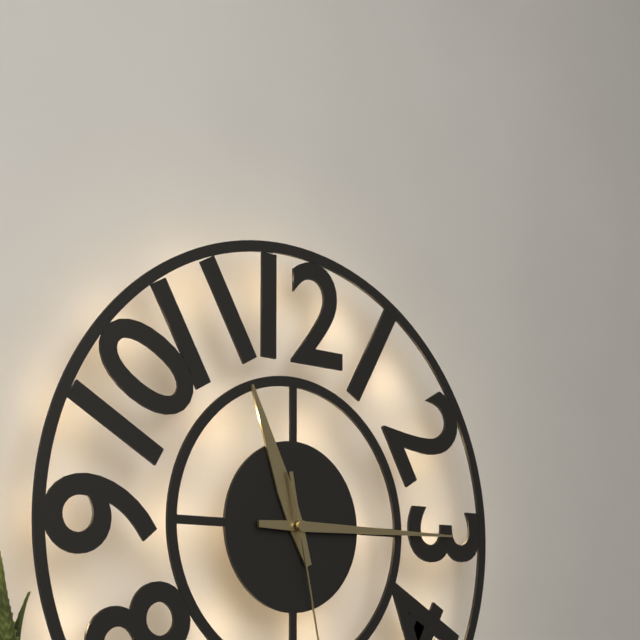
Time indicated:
11h15
